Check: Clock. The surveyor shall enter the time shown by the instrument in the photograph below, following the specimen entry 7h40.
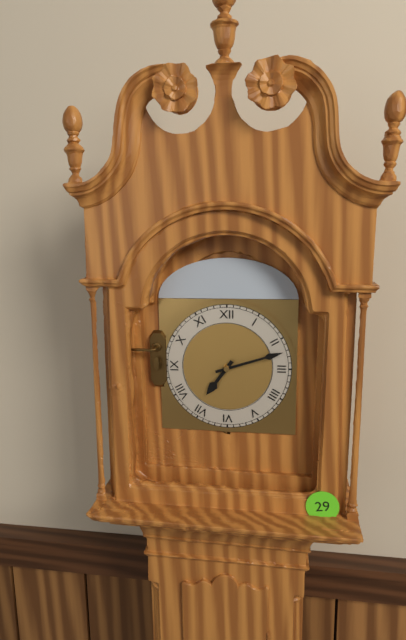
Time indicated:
7h12
